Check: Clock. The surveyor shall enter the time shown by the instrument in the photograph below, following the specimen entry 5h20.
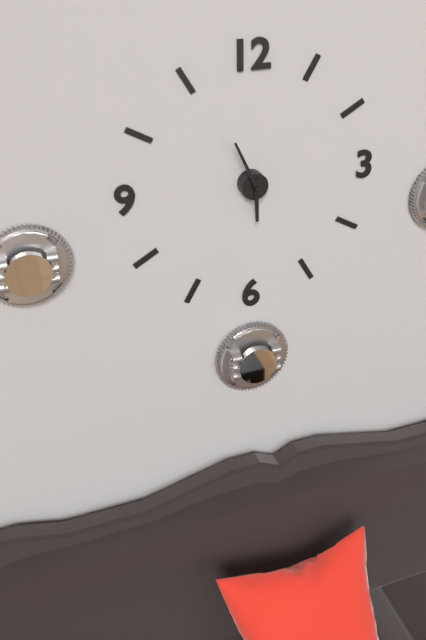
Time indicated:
5h56
